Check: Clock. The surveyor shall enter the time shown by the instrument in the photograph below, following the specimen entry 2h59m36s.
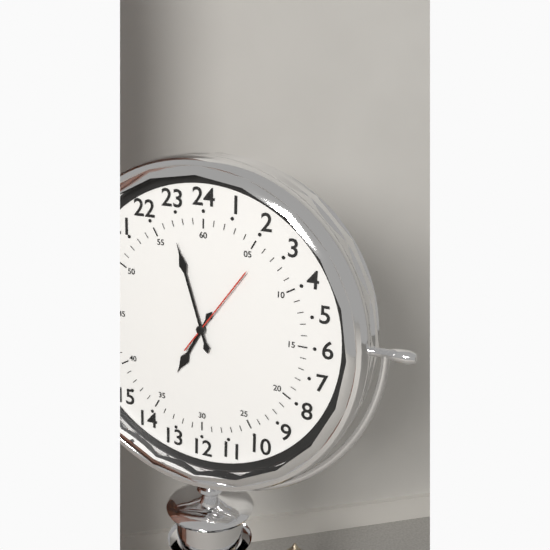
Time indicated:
6h57m06s
